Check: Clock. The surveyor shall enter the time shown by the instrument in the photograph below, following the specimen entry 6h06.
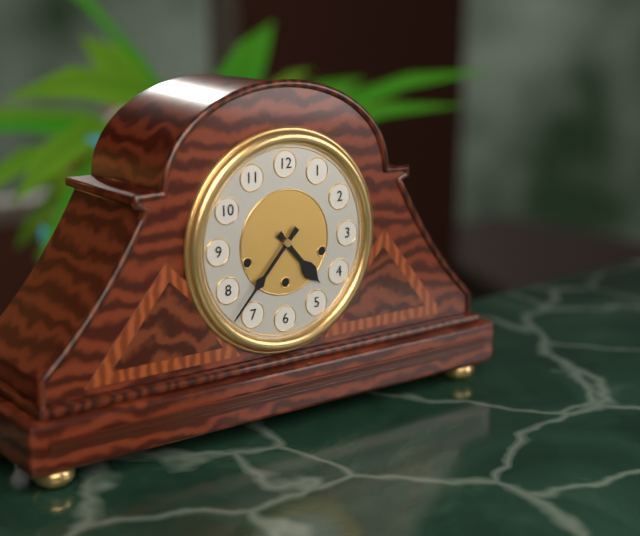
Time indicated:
4h37
